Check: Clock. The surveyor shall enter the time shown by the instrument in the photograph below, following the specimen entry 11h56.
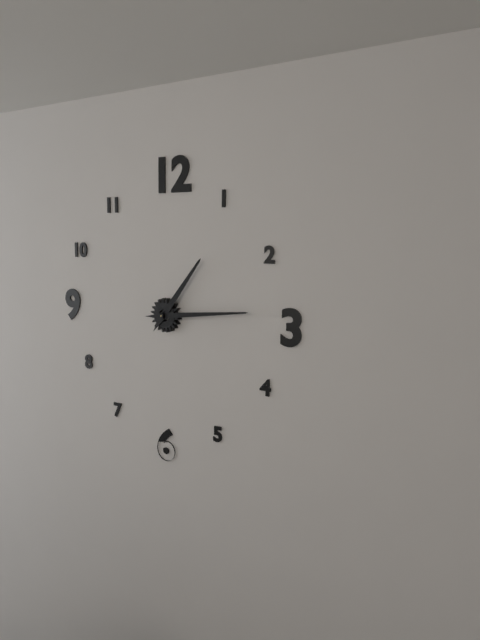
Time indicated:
1h14
